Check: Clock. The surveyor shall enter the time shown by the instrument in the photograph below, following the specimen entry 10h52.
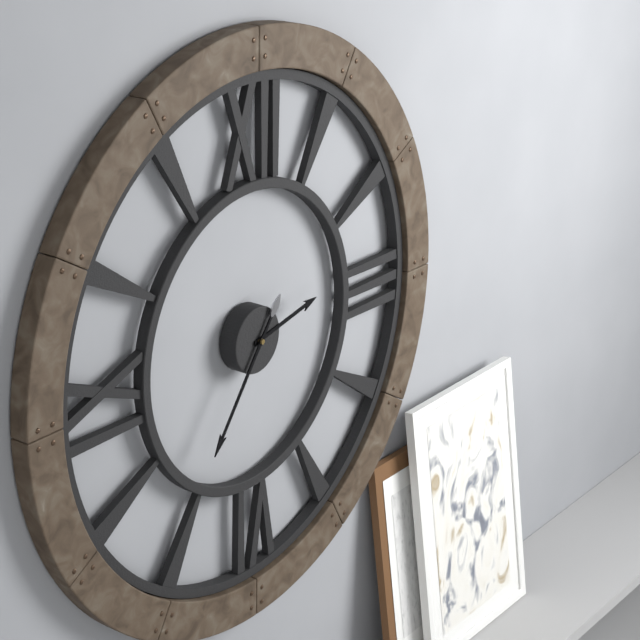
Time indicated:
2h36
